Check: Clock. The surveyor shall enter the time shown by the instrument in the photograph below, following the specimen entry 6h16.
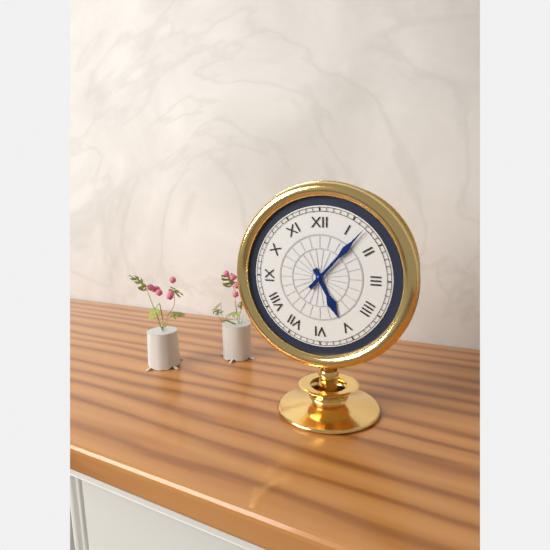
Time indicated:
5h07
